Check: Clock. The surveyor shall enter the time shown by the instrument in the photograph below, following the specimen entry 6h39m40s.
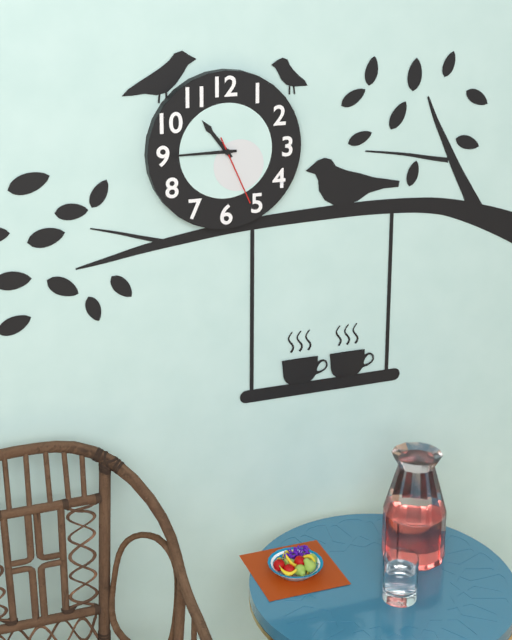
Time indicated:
10h45m26s
